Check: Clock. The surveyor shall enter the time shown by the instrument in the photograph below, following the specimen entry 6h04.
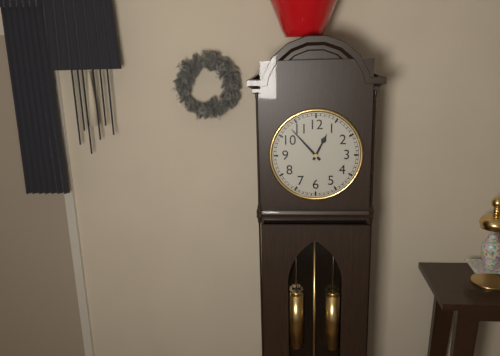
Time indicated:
12h53
